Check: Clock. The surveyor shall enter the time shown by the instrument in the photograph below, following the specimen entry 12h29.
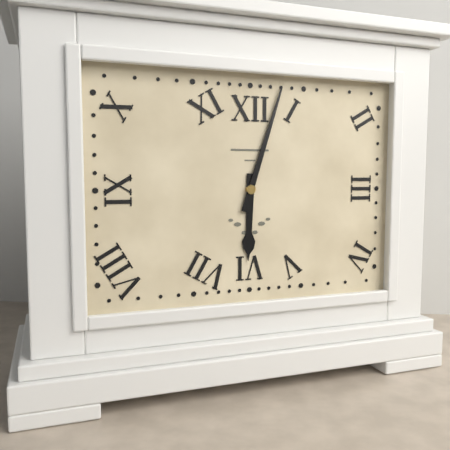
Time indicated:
6h03
